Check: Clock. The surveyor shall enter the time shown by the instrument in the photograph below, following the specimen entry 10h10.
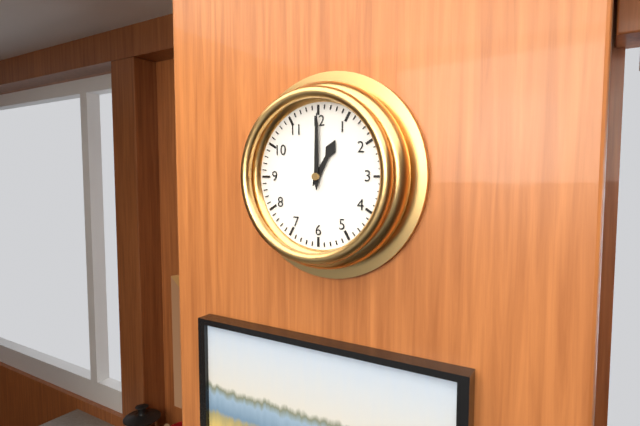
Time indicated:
1h00
